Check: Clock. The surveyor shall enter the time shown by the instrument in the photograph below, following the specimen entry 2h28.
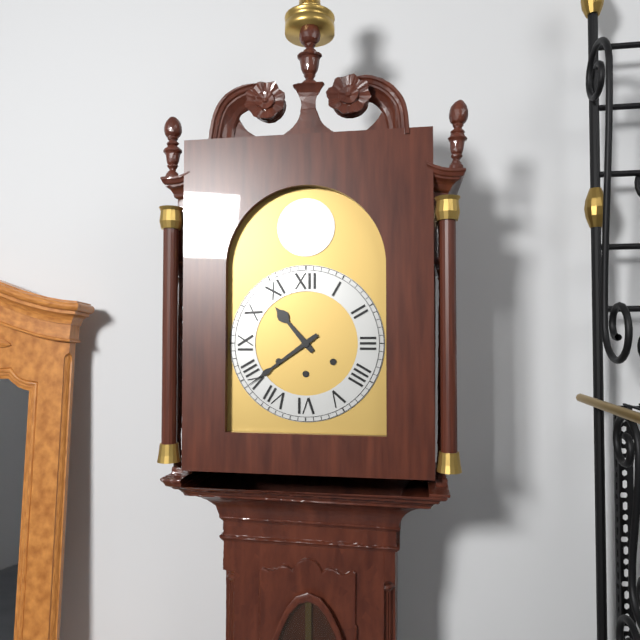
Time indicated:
10h39
